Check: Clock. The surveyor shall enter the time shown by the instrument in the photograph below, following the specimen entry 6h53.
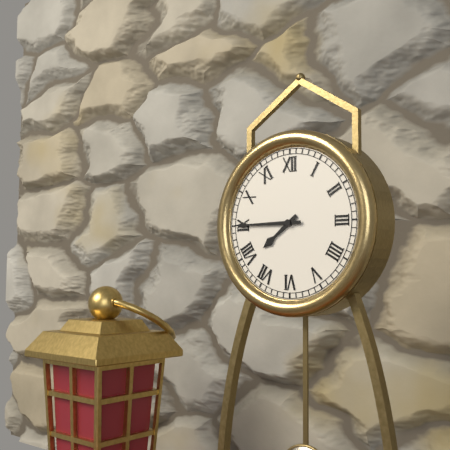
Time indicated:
7h45
